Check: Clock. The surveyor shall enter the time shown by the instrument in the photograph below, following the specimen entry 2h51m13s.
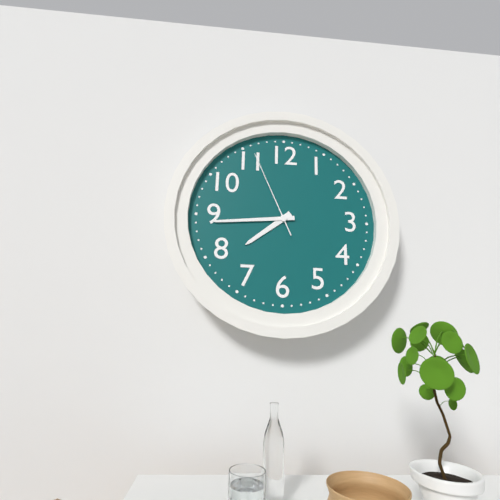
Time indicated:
7h44m56s
